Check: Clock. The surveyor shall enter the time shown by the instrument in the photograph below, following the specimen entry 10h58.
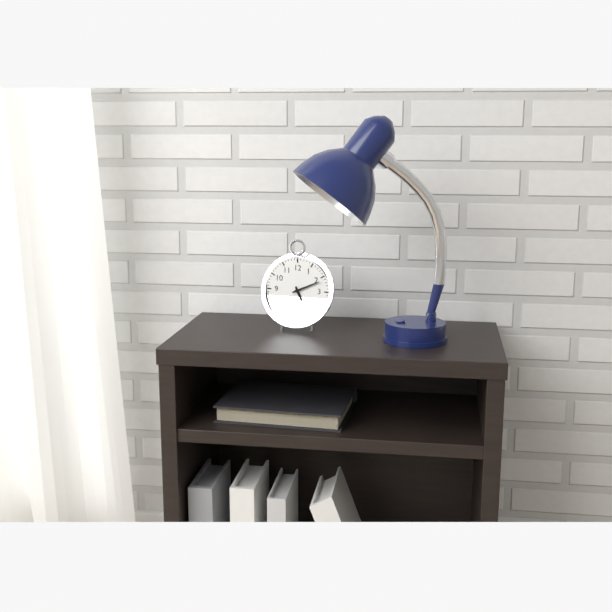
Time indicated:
5h11
